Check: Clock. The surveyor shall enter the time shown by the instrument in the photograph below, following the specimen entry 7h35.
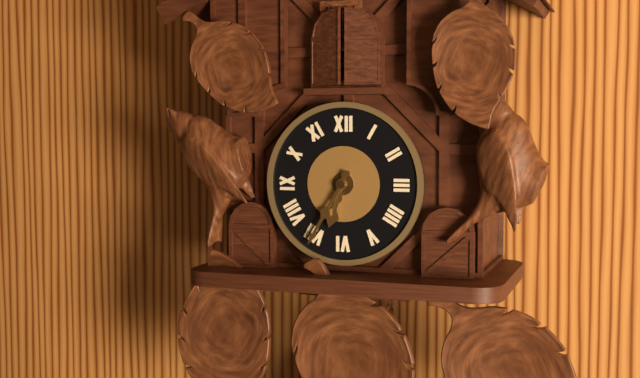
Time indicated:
6h35
